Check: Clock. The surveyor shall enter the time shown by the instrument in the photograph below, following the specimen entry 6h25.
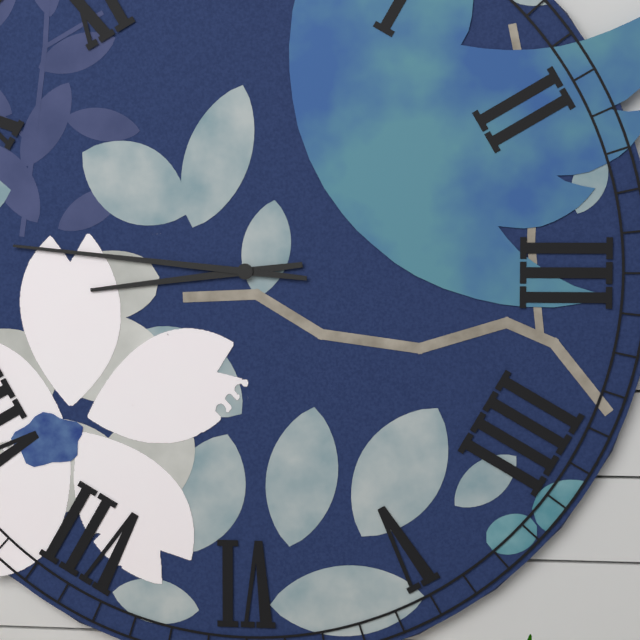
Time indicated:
8h46
